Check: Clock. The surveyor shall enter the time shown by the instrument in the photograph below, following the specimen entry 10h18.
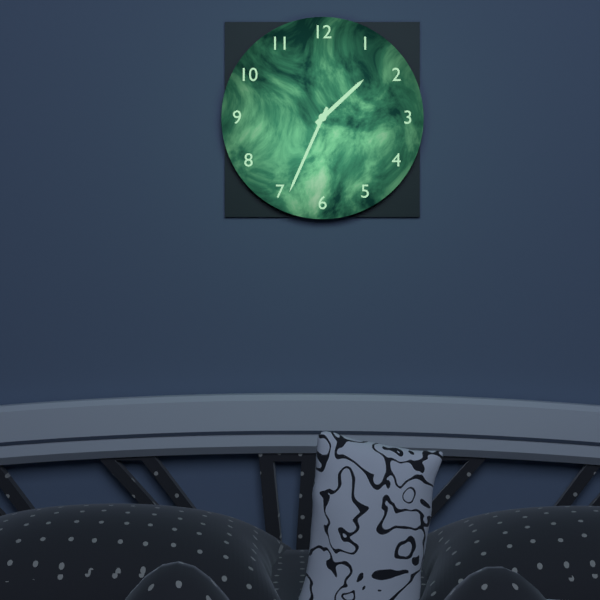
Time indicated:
1h34
